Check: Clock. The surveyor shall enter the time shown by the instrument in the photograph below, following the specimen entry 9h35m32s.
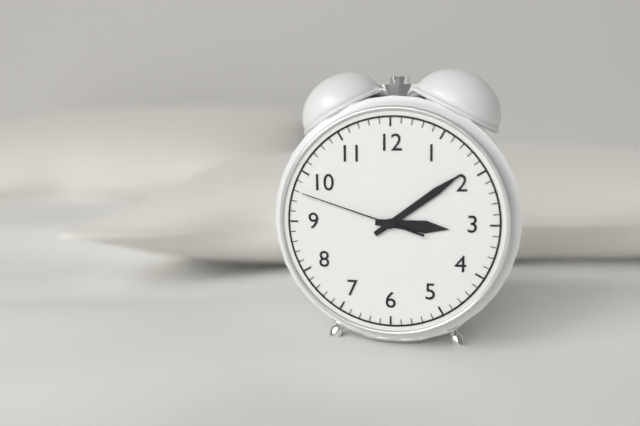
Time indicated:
3h09m48s
